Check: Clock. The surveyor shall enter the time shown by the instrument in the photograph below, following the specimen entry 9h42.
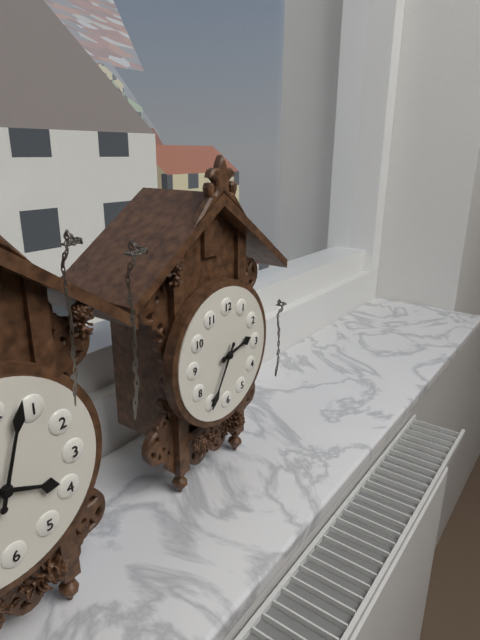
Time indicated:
2h35
